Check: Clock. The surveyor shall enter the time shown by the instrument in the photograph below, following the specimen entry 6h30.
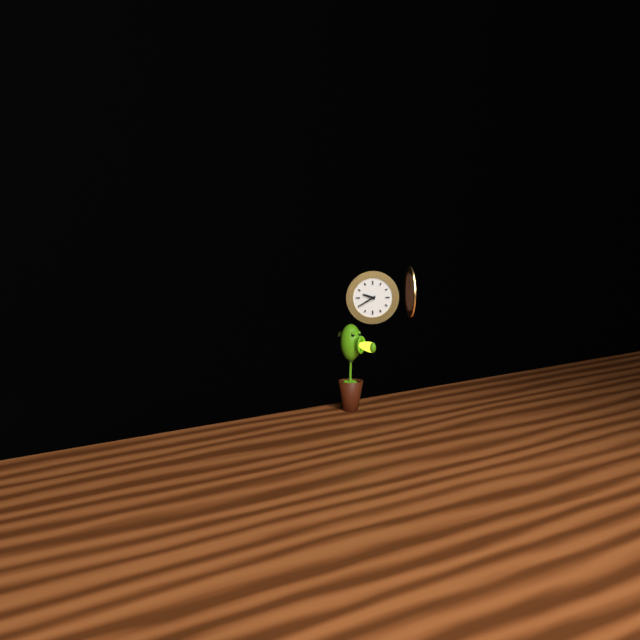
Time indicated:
9h40
